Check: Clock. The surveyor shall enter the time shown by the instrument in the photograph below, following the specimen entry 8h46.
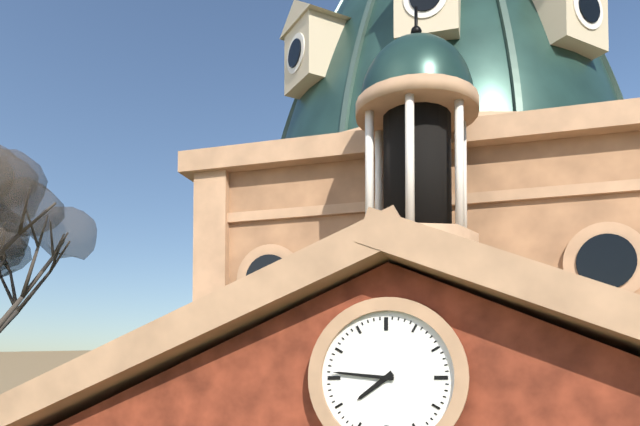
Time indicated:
7h46
